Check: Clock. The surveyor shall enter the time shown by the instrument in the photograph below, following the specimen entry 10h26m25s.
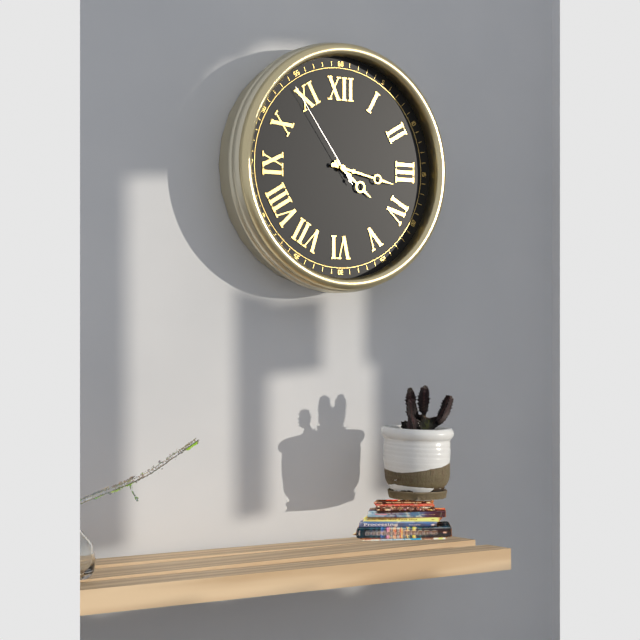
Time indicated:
4h17m54s
